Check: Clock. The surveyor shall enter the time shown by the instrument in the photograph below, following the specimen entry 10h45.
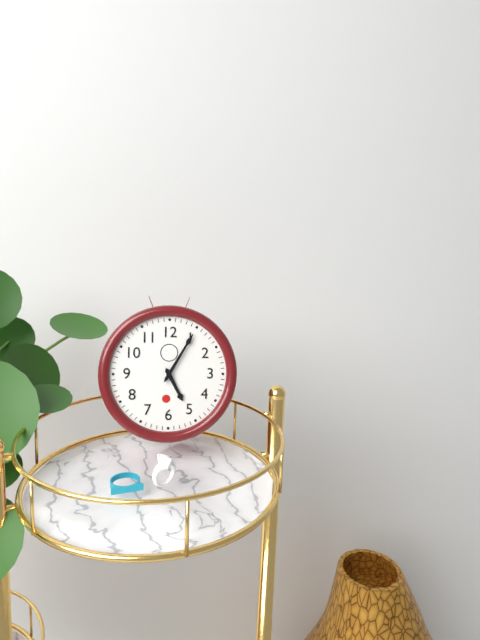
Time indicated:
5h05
